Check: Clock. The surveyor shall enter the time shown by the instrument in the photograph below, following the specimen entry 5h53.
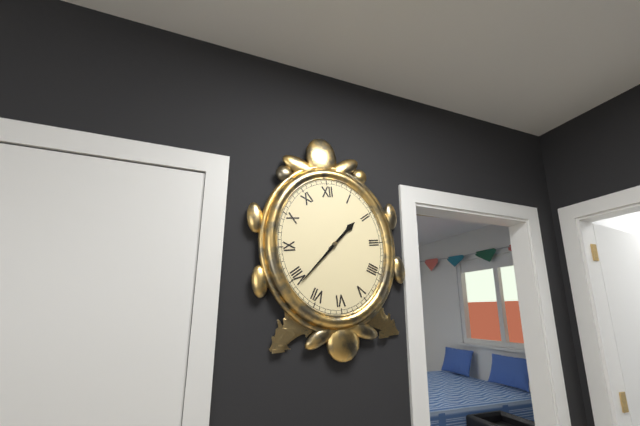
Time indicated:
1h38
